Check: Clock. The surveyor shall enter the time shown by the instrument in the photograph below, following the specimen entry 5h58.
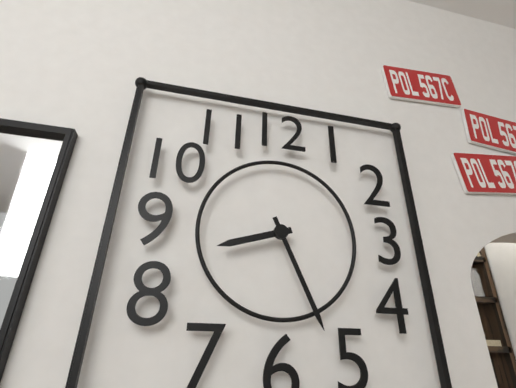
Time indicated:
8h26
